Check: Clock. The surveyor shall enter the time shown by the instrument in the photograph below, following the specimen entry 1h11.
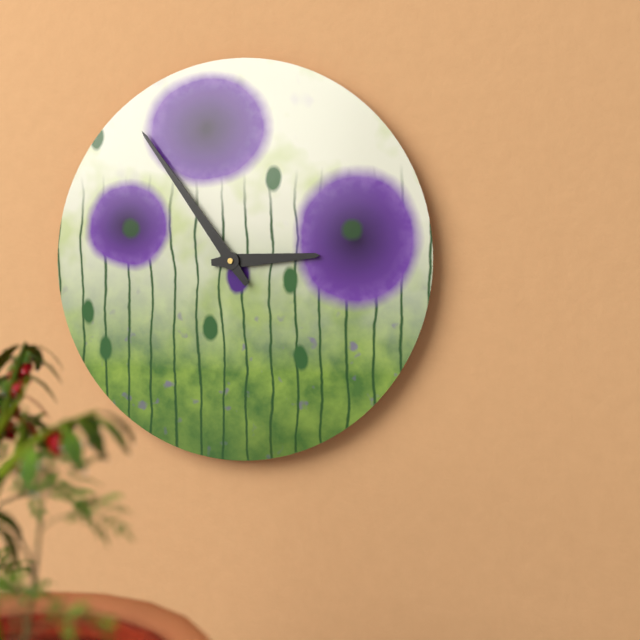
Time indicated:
2h54
